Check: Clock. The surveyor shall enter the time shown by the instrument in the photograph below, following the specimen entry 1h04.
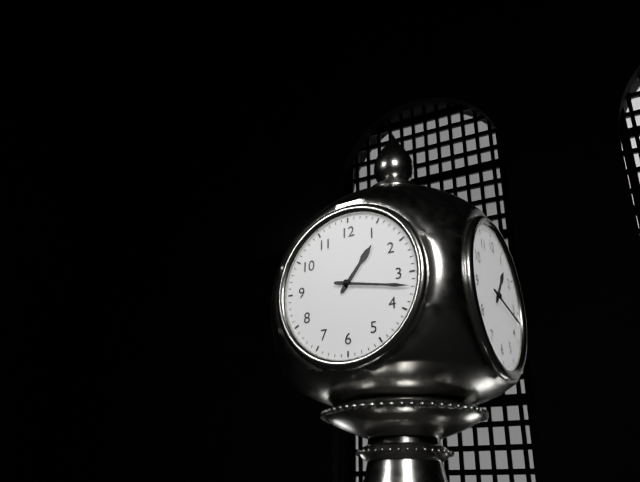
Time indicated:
1h17
